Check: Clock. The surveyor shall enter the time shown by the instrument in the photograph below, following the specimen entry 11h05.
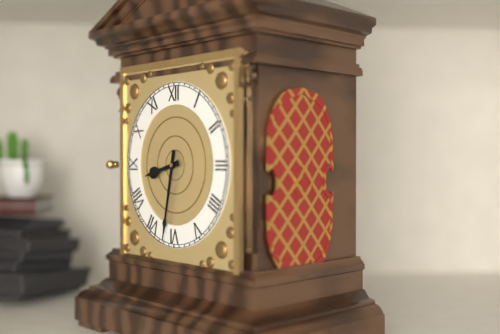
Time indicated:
8h32
